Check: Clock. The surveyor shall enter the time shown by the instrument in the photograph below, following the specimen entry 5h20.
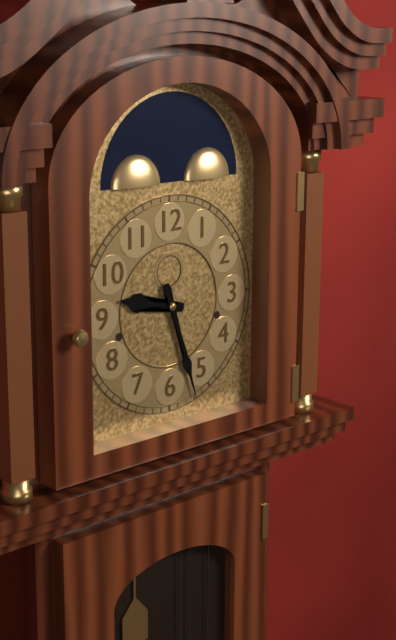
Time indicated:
9h27
